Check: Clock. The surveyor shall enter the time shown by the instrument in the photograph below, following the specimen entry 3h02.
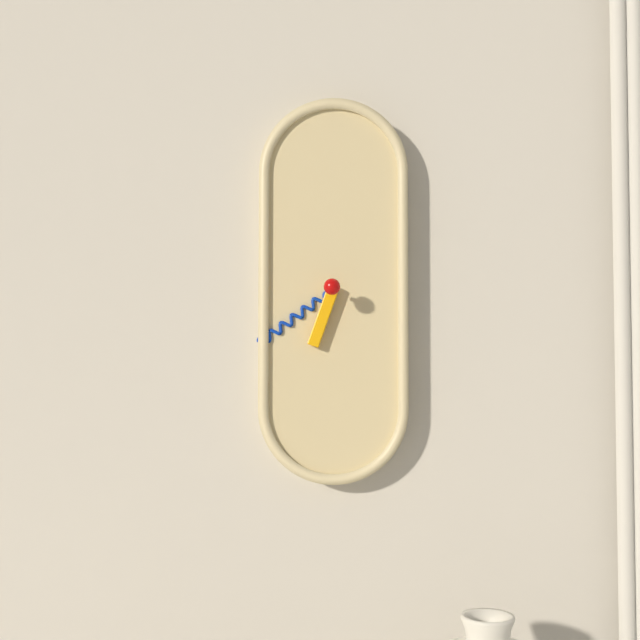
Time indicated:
6h39
